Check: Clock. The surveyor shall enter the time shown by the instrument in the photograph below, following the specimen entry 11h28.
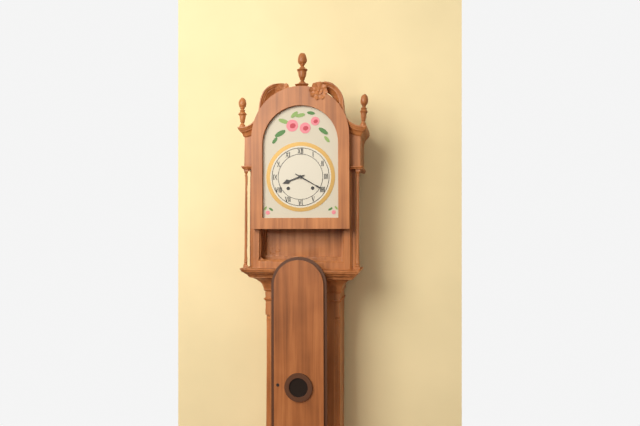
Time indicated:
8h20
